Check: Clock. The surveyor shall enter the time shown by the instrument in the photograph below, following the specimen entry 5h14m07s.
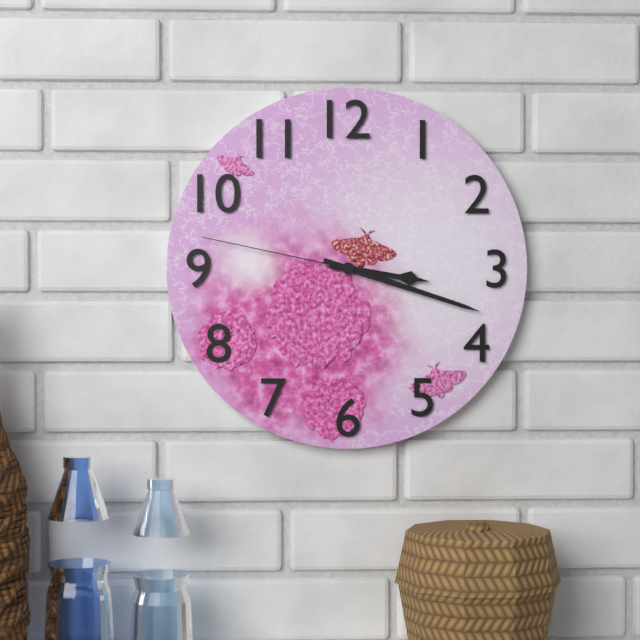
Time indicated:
3h18m47s
